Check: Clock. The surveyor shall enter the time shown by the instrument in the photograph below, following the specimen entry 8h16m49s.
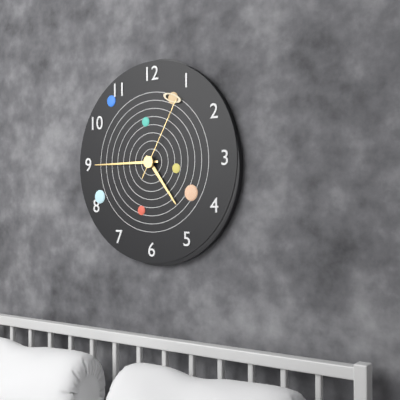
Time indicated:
4h45m05s
